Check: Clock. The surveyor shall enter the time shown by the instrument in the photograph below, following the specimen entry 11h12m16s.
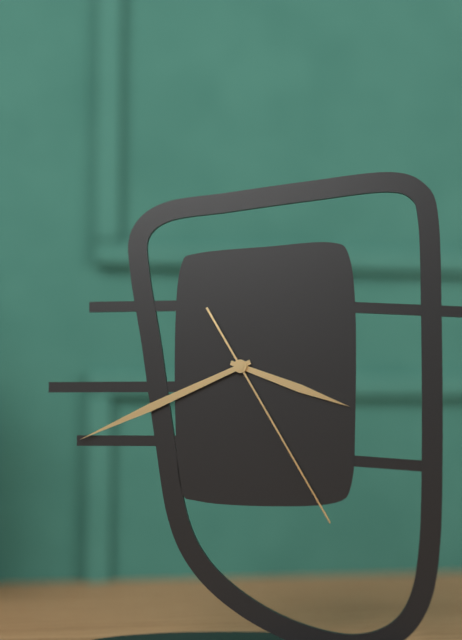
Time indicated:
3h41m25s
